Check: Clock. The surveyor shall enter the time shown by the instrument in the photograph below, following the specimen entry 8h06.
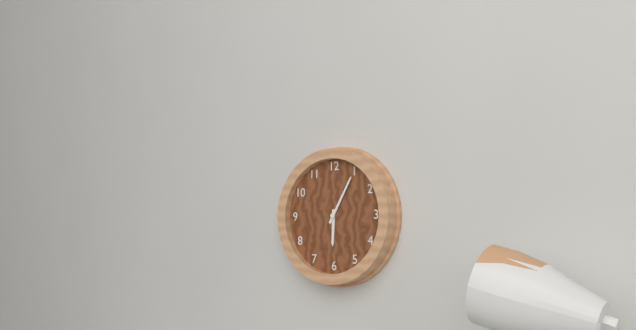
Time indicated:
6h05
